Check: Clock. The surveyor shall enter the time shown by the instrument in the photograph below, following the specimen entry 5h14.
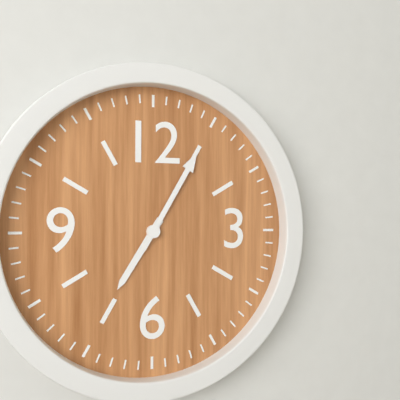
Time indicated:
7h05
